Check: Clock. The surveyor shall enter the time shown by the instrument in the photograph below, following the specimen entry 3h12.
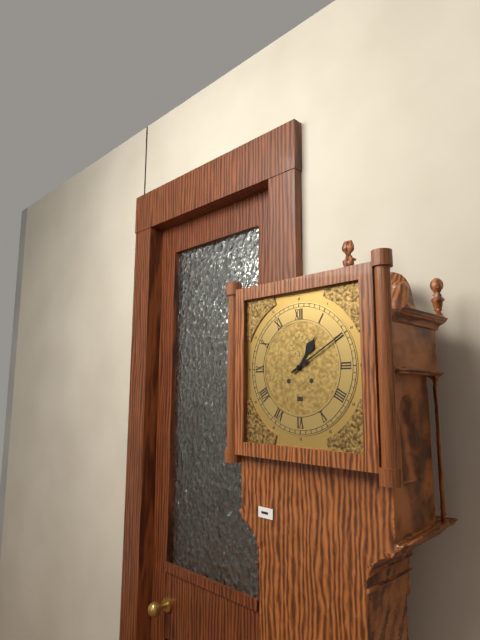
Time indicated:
1h10
